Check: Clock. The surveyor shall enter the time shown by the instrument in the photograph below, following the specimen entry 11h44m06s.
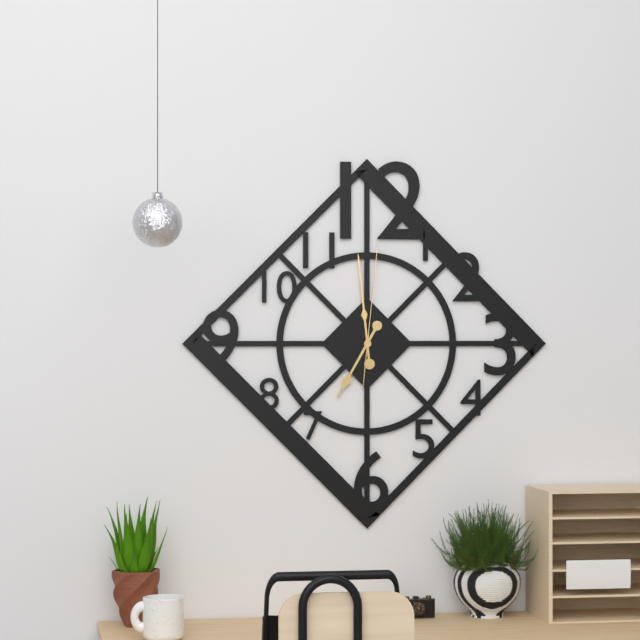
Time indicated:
6h59m01s
